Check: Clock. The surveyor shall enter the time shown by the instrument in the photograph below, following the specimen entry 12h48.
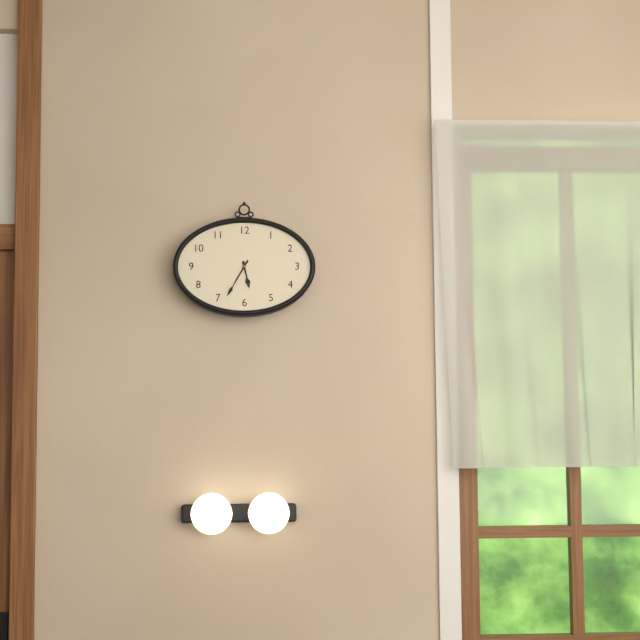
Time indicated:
5h35
